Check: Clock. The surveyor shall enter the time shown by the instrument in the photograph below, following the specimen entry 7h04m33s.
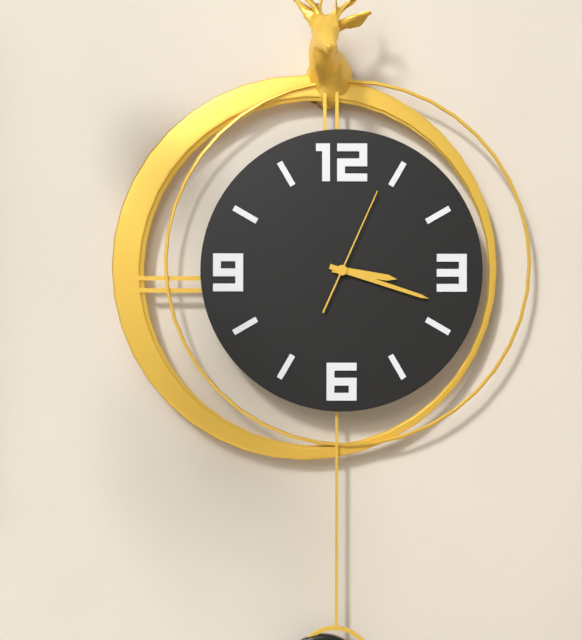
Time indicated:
3h18m04s
